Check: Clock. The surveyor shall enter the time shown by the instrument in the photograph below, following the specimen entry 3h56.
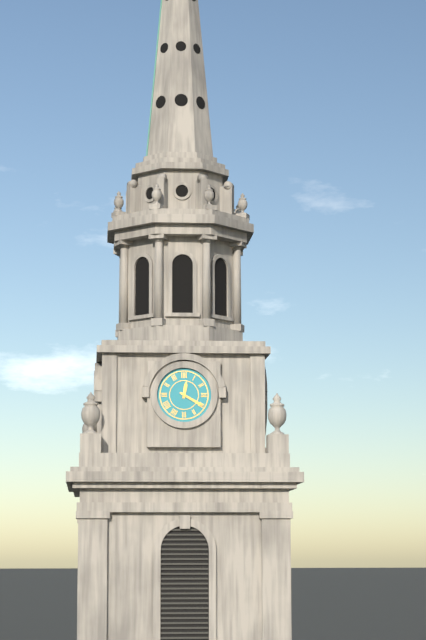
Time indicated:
12h20
